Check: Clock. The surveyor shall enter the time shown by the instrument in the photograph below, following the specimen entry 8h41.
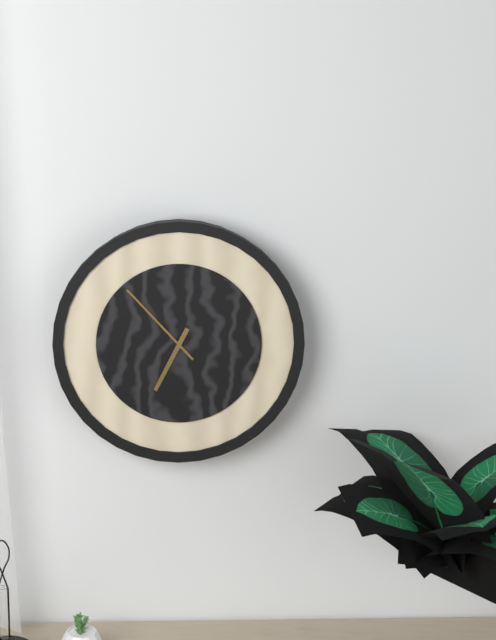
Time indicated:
6h53
